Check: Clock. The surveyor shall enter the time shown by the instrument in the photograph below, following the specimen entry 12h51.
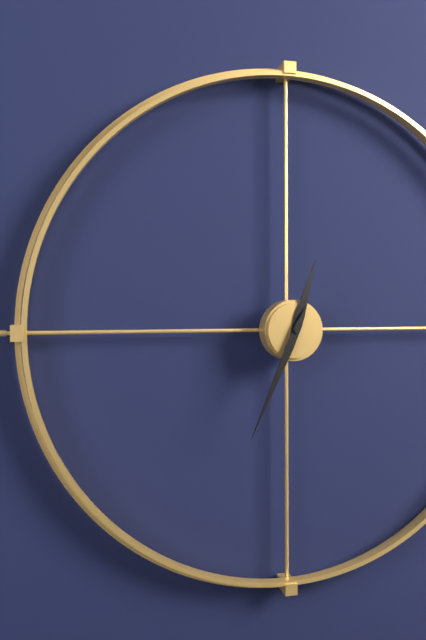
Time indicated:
12h34
